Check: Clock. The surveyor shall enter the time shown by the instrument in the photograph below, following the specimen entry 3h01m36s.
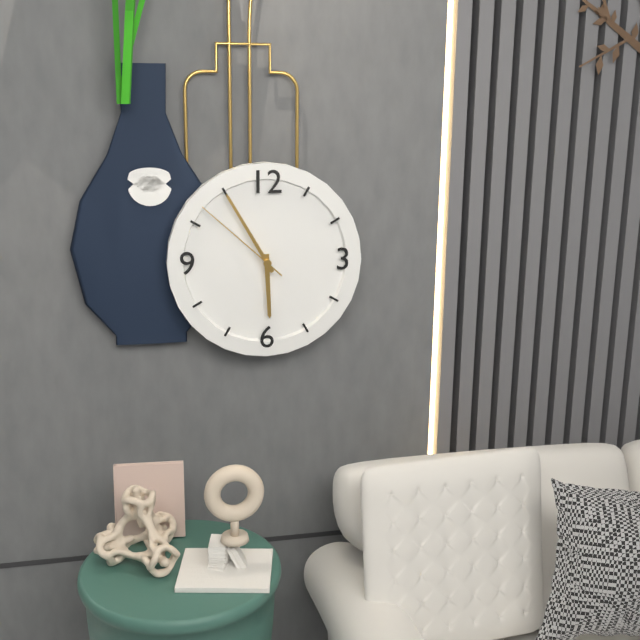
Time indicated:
5h55m52s
